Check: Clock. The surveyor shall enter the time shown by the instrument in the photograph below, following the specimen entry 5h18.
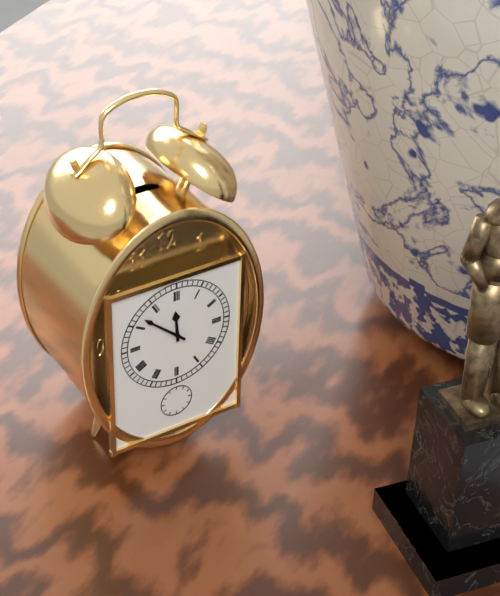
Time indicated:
11h52
